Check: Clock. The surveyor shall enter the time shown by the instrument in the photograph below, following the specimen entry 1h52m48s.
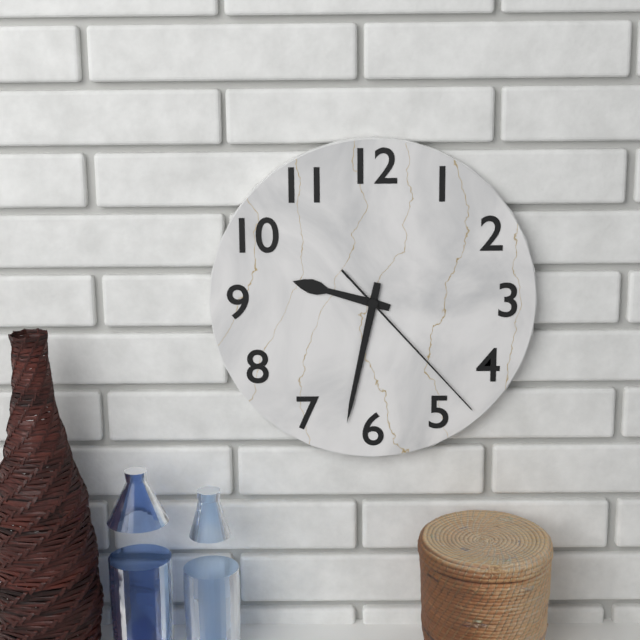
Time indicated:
9h32m23s
